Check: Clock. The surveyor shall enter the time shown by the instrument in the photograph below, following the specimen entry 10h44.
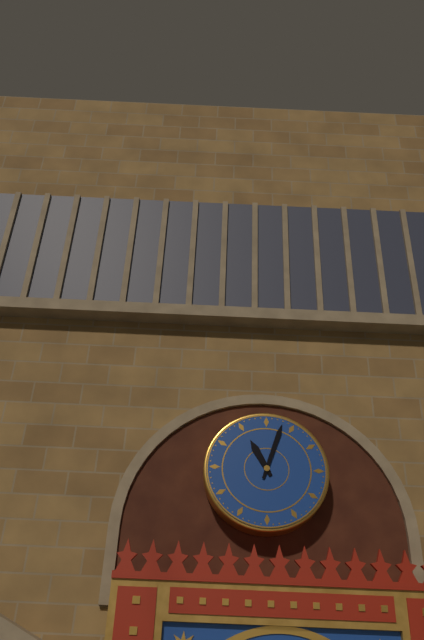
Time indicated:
11h03
